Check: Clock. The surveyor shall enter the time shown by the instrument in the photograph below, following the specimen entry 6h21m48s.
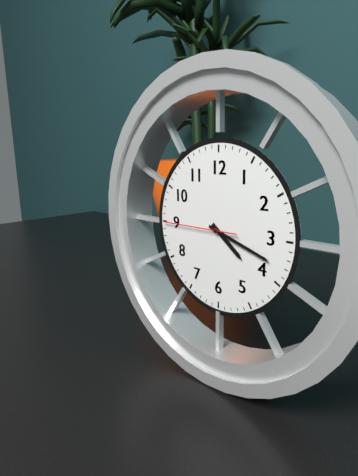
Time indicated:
4h18m45s
